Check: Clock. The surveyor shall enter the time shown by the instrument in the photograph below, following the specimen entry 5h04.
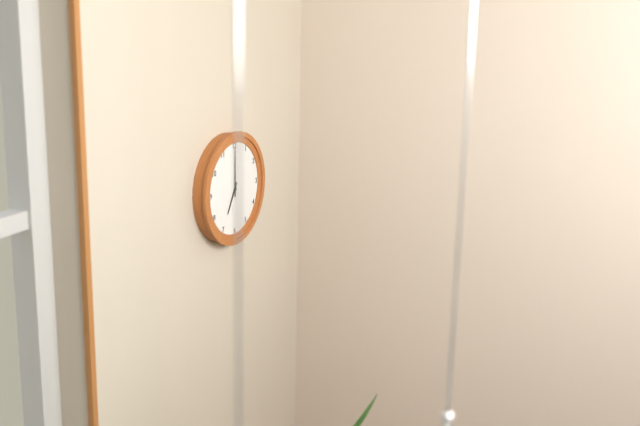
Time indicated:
7h00
